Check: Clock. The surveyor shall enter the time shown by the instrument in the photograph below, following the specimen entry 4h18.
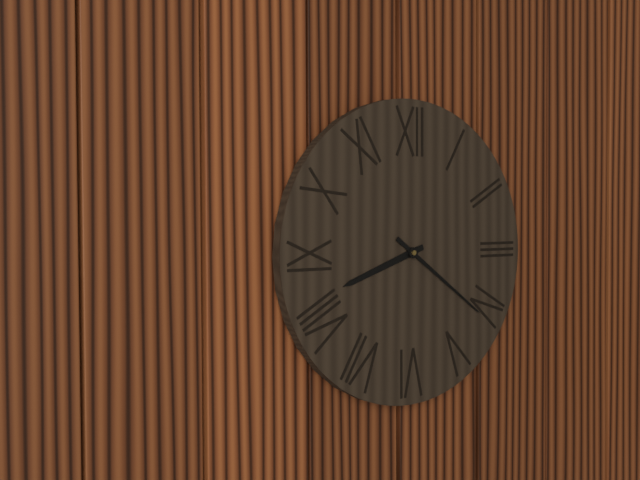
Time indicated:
8h21
